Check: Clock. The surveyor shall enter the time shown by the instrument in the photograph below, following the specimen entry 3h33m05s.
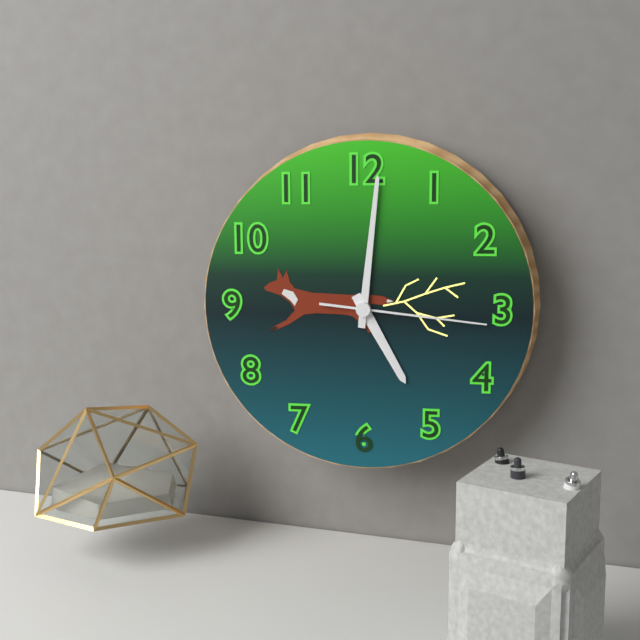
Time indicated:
5h01m16s
